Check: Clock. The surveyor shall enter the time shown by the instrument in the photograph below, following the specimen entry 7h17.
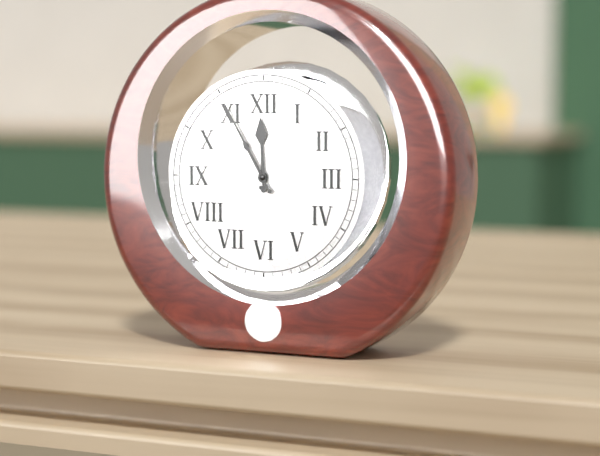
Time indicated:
11h55
